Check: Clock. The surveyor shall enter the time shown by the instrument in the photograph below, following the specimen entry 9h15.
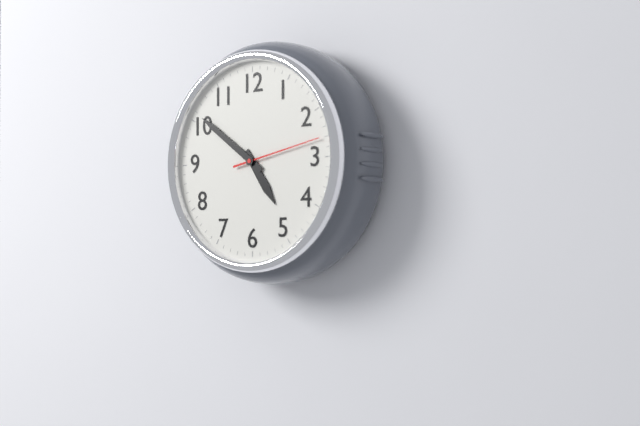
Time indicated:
4h51
